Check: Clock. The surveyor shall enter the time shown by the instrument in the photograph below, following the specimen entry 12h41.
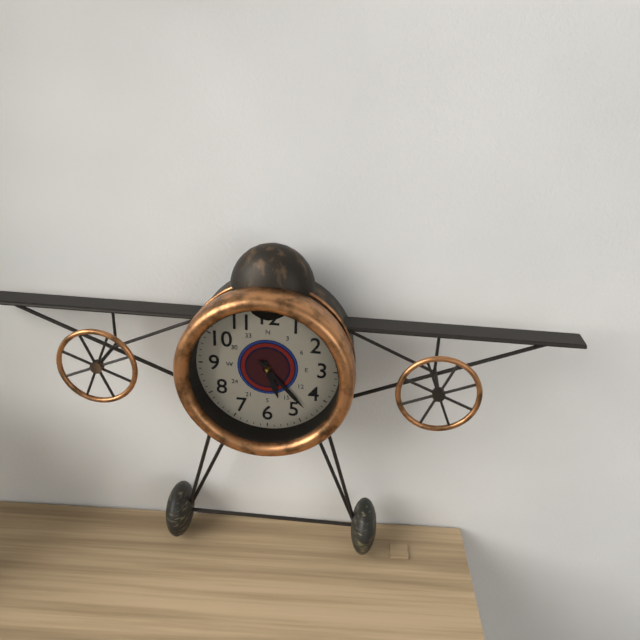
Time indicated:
5h23
